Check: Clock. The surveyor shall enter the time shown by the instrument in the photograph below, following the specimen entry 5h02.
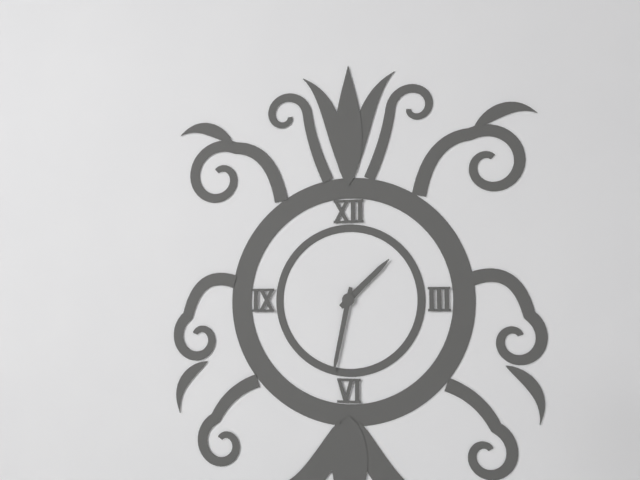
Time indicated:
1h32
